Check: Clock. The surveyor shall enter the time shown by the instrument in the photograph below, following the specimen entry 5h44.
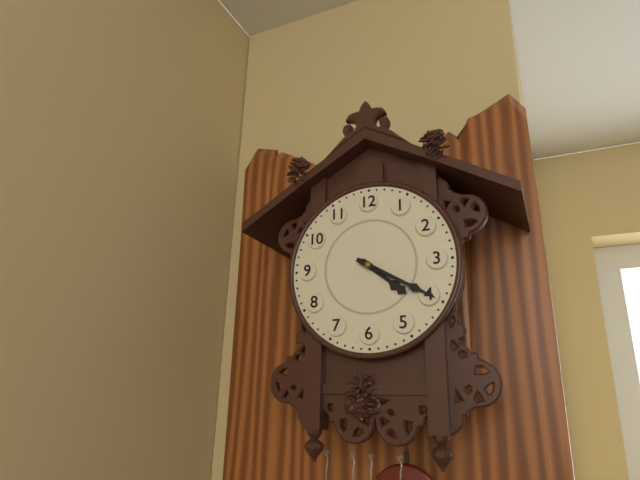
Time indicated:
4h20
